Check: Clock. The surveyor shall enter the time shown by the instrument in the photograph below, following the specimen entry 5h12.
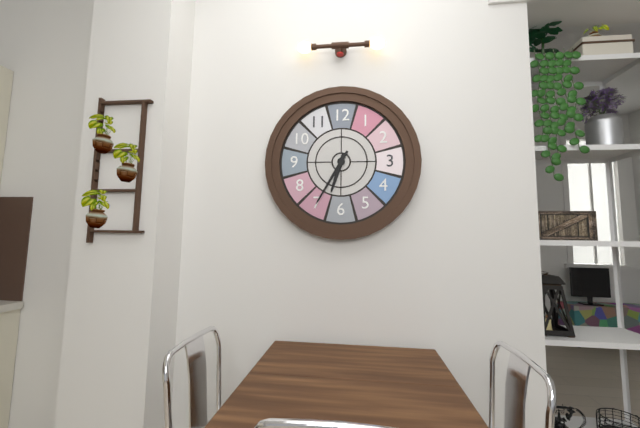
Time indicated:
6h35
